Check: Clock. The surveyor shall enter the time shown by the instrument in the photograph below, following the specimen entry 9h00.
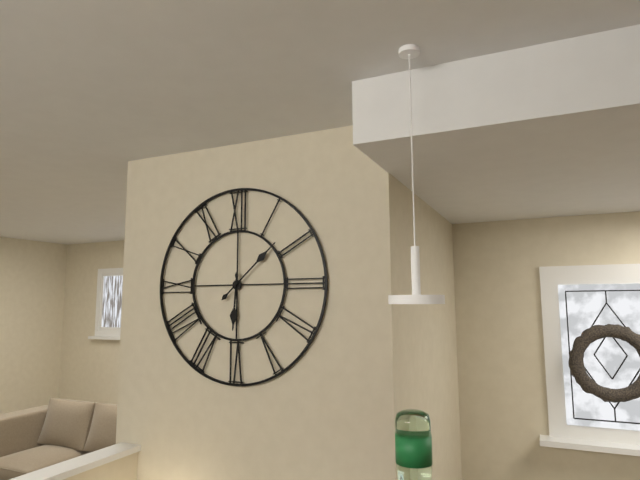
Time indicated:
6h08
